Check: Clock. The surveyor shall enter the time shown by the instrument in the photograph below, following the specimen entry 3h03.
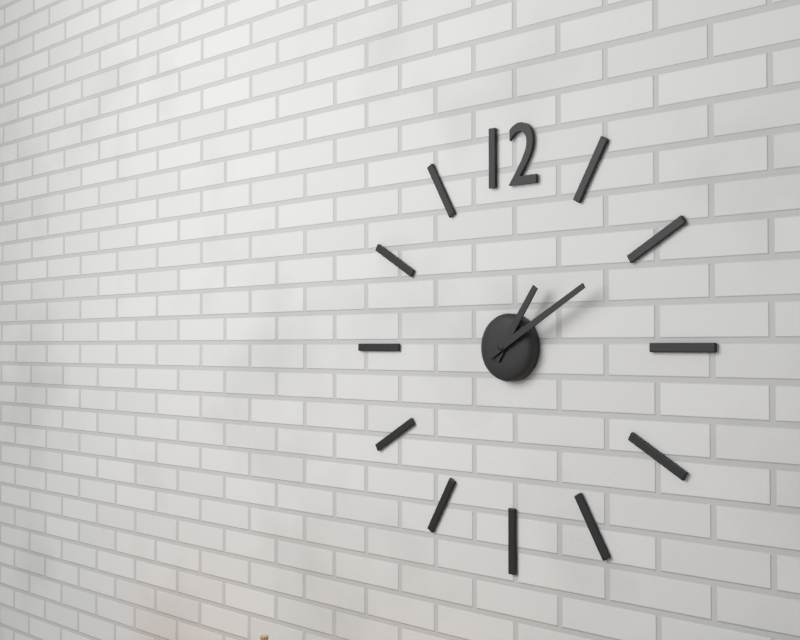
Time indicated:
1h10
